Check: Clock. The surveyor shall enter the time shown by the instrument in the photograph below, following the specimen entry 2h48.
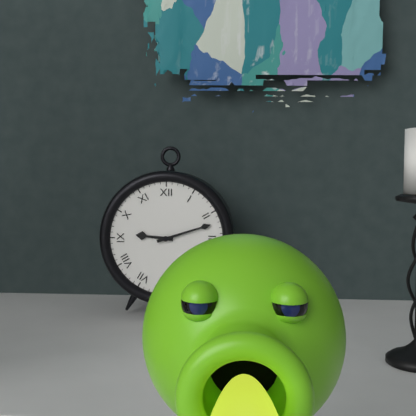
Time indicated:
9h12
